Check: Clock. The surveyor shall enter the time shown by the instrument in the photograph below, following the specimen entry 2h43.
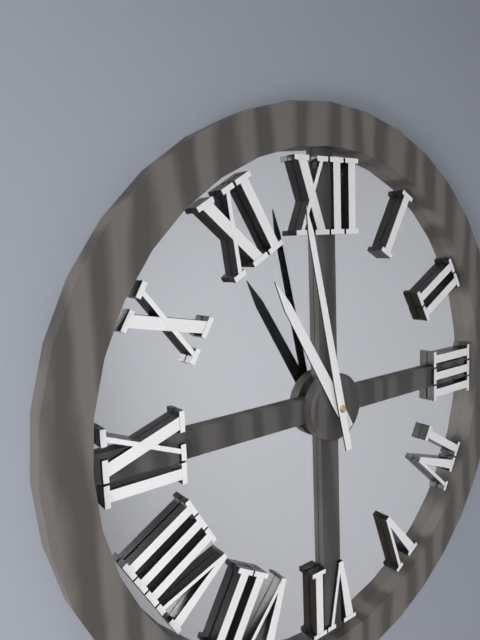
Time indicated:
10h58
